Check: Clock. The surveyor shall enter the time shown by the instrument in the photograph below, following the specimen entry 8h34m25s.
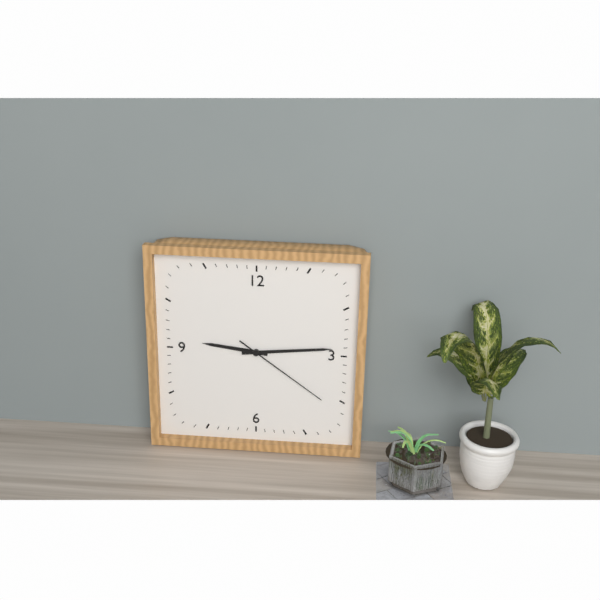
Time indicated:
9h14m21s
